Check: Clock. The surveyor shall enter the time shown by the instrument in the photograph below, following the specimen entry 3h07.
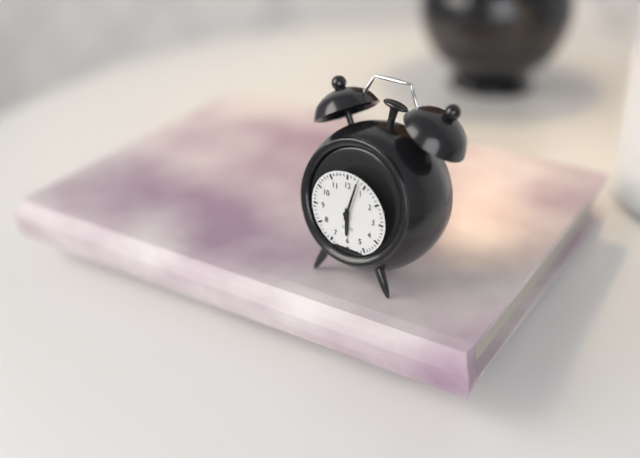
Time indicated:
6h03
